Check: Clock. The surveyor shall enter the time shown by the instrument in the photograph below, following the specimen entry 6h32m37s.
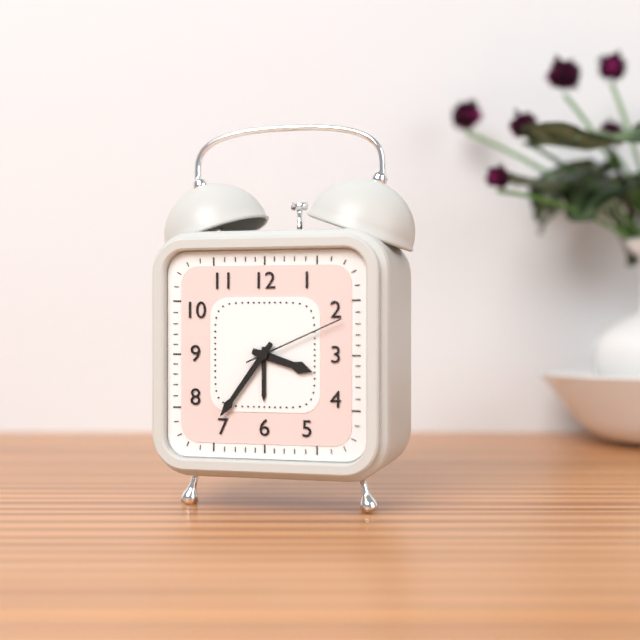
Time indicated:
3h36m11s
